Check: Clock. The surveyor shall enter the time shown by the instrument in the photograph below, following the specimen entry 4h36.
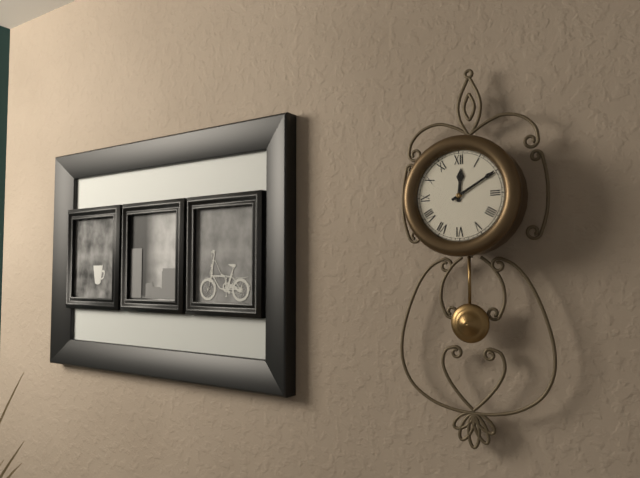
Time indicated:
12h10
